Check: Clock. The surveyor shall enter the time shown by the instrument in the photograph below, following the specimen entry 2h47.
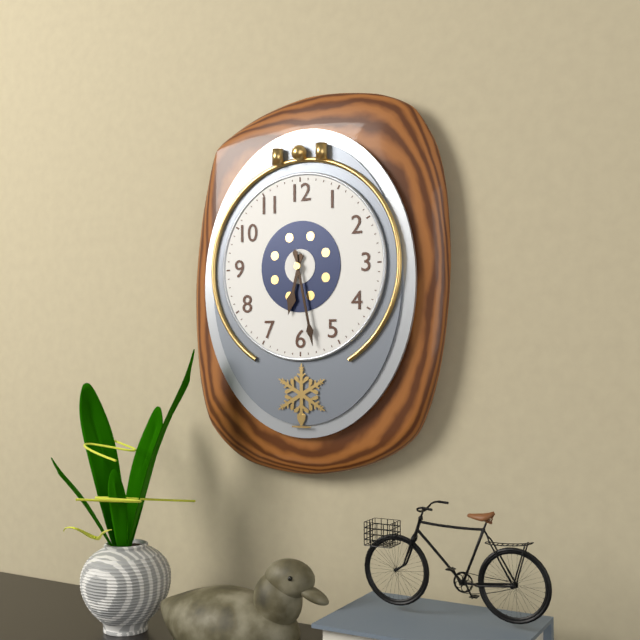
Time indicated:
6h28
